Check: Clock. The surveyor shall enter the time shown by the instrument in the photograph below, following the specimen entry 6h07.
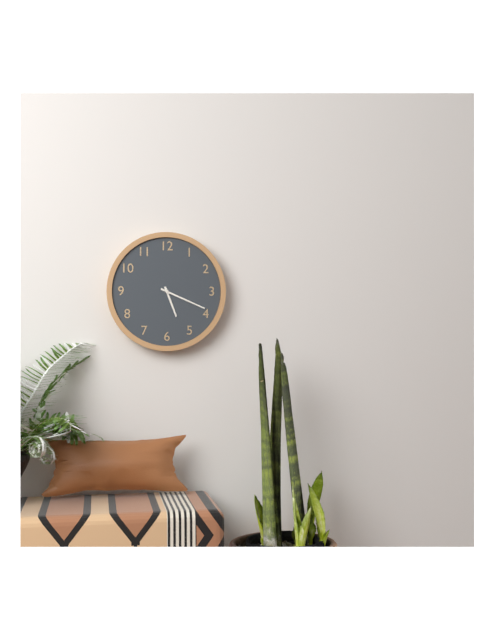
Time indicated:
5h19
